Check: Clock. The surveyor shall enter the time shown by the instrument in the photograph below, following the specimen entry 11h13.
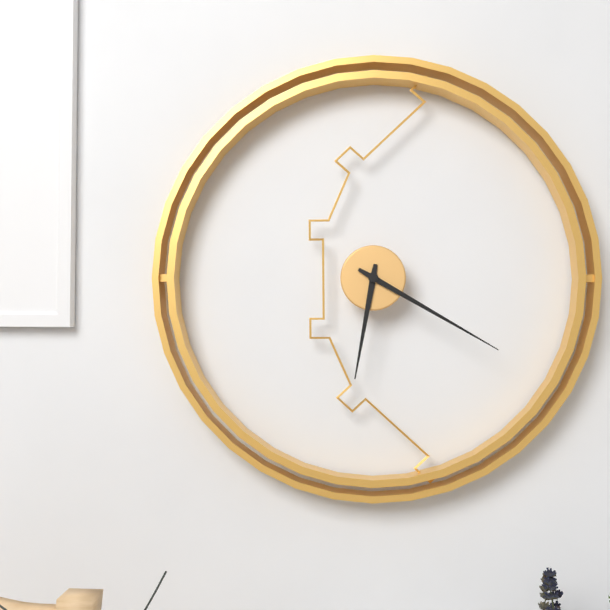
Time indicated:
6h20
